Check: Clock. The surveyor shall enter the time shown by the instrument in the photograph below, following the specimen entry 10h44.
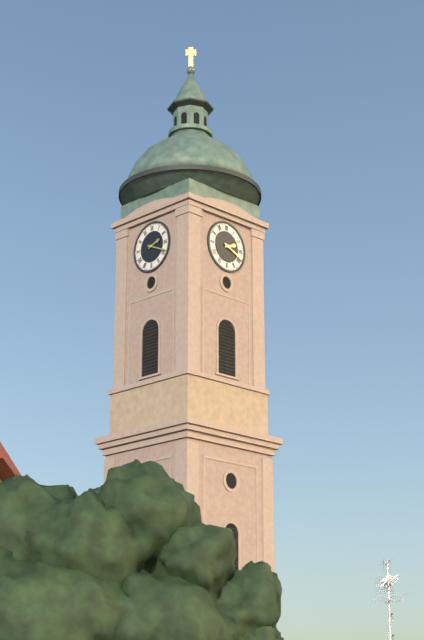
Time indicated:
2h19
